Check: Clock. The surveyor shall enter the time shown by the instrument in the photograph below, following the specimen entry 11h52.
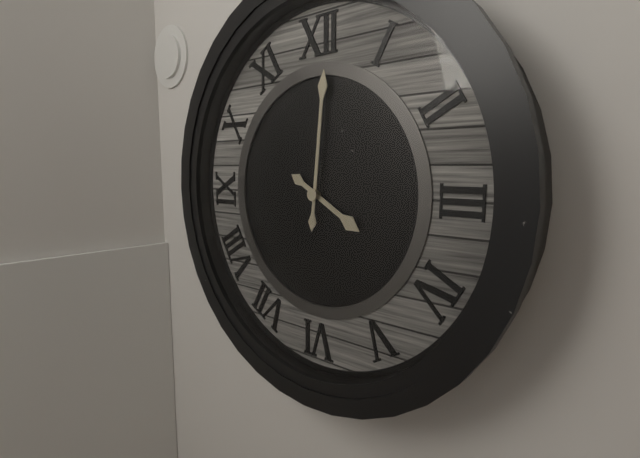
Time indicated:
4h01
